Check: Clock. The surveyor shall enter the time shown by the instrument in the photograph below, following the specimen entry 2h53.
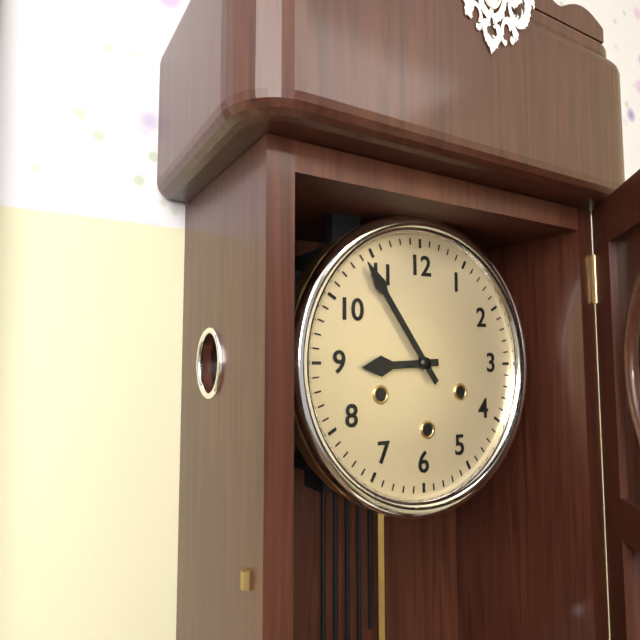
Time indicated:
8h54
